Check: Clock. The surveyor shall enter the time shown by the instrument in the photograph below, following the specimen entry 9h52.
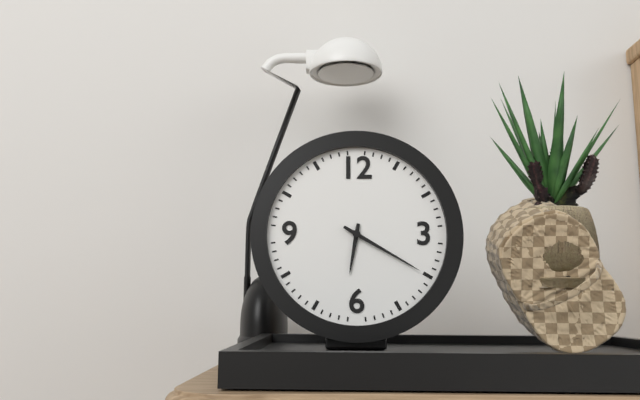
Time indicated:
6h20
